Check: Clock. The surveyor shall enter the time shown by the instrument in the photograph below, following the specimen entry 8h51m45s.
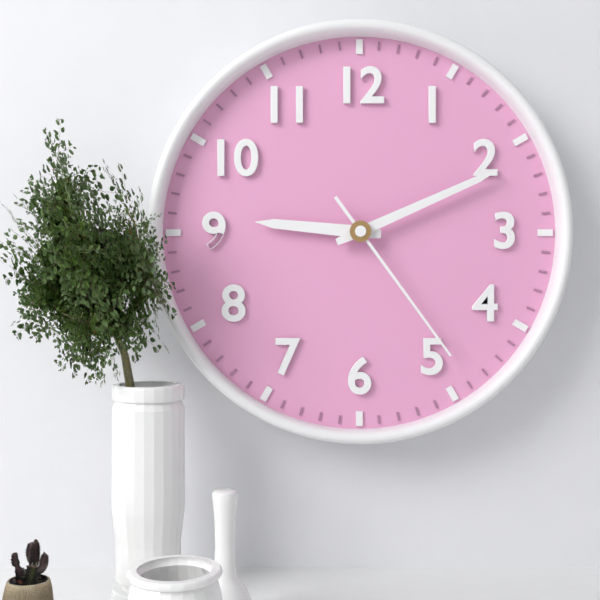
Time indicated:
9h11m24s
